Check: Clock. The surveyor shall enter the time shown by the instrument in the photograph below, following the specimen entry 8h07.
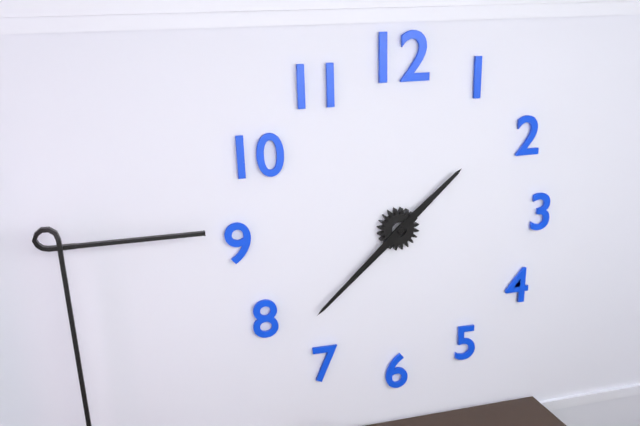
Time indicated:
1h38
